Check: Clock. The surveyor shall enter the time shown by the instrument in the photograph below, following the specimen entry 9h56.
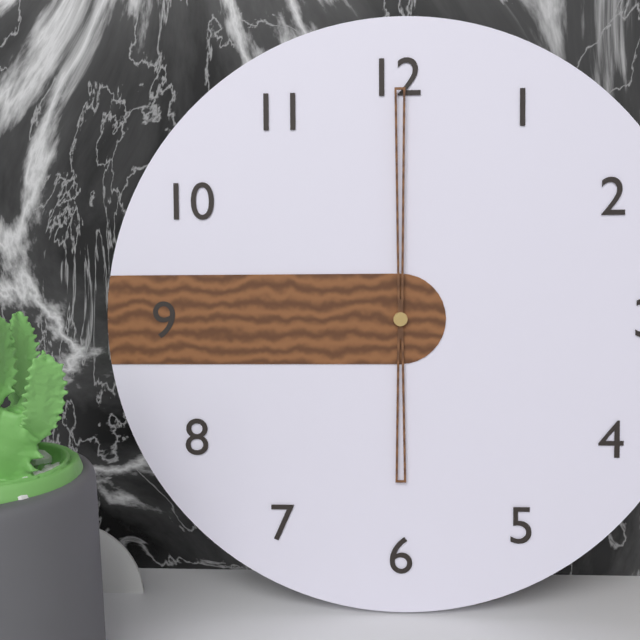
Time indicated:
6h00
